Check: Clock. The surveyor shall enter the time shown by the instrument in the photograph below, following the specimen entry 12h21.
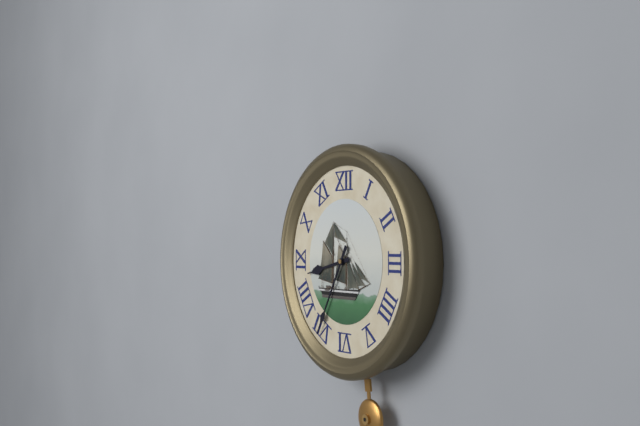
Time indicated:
8h35
